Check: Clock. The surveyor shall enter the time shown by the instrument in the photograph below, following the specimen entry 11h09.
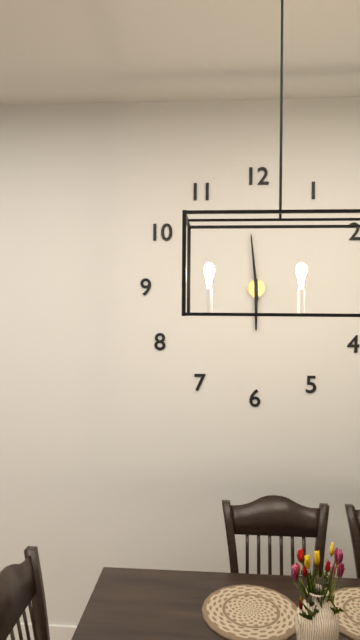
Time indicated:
5h59
